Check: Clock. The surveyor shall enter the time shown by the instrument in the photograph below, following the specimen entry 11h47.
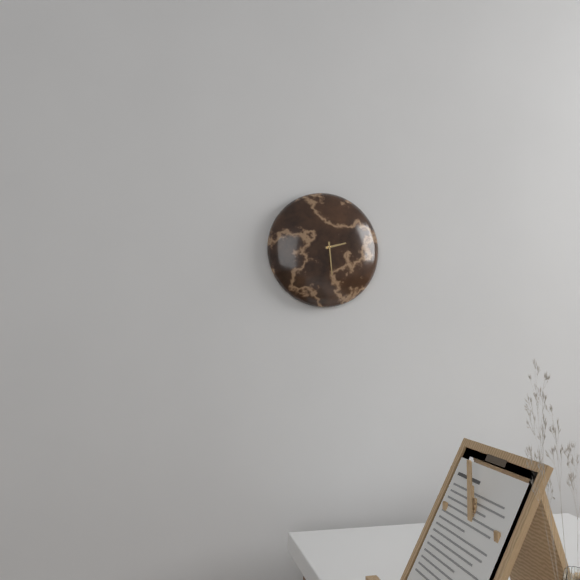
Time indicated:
2h29
